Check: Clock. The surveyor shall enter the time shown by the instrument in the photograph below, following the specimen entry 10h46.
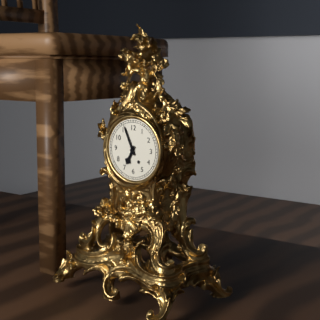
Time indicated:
6h56
